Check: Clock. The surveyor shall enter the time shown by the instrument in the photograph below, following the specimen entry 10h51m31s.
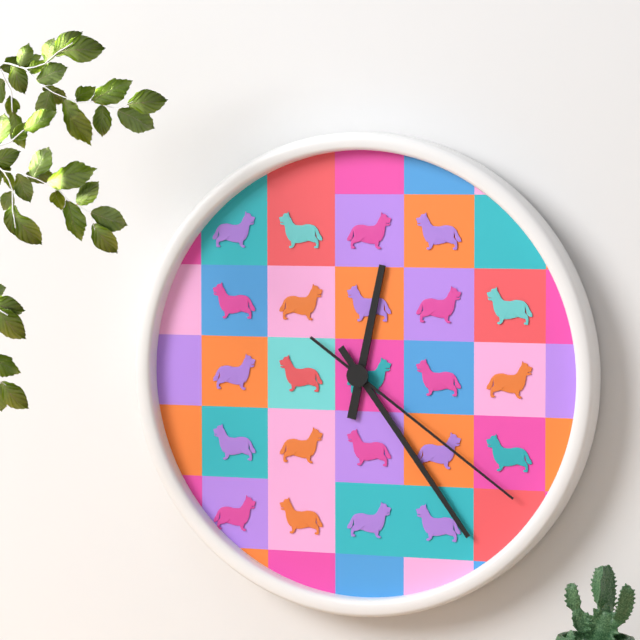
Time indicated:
12h24m21s
